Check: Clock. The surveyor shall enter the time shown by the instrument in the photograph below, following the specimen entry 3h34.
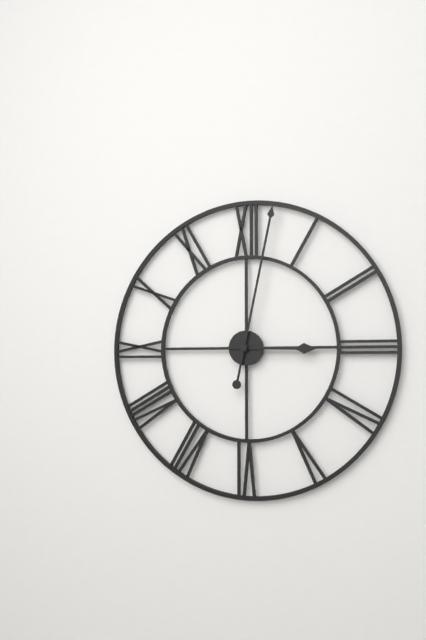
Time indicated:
3h02
